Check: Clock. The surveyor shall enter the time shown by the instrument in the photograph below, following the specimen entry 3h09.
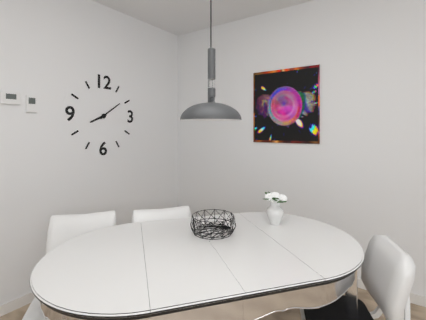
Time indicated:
8h09
